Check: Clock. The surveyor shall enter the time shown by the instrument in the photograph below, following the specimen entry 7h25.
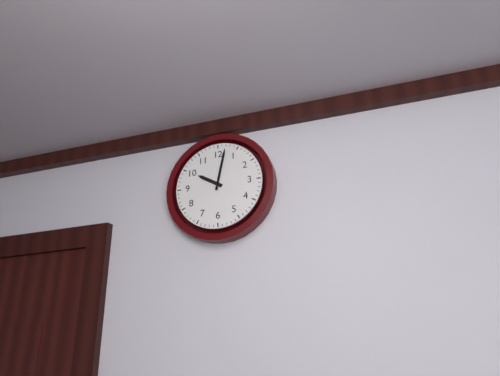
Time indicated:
10h02
